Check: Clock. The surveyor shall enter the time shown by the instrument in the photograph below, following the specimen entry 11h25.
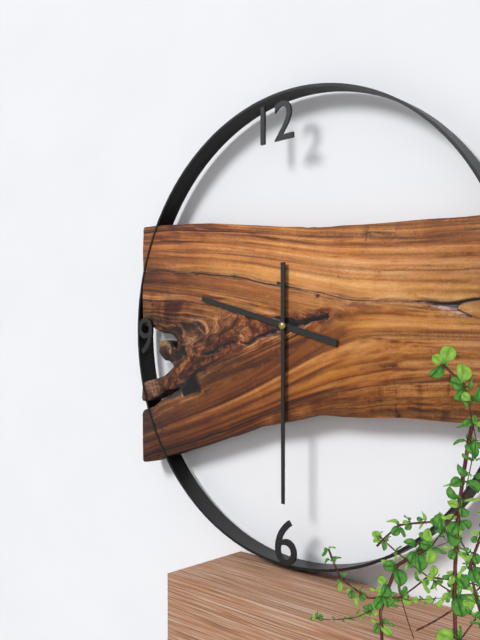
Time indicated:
9h30
